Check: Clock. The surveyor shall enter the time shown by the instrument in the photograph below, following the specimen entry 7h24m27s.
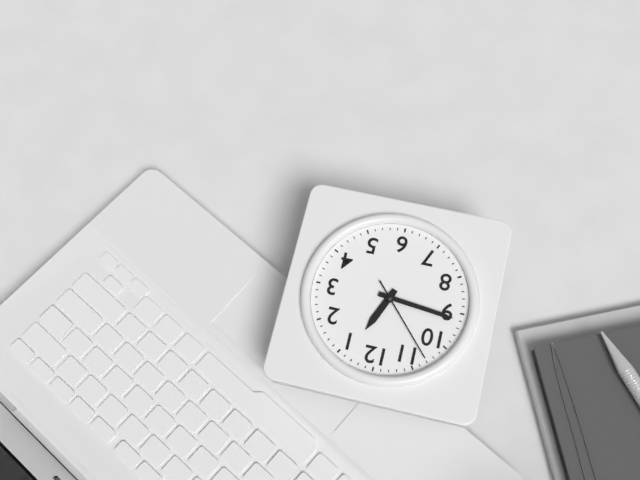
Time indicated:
12h46m53s
